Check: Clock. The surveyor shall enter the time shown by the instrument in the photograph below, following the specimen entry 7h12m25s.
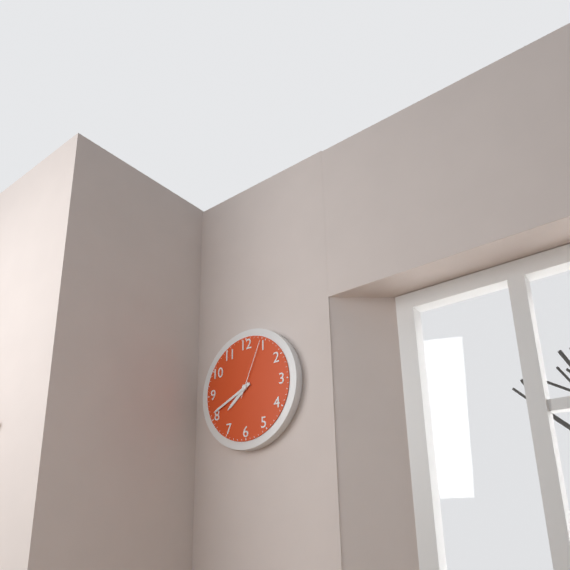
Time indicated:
7h41m04s
